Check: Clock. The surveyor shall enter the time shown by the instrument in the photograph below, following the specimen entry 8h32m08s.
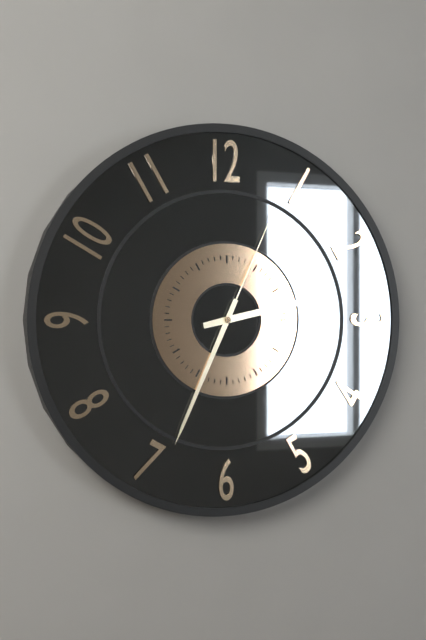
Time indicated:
2h34m04s
